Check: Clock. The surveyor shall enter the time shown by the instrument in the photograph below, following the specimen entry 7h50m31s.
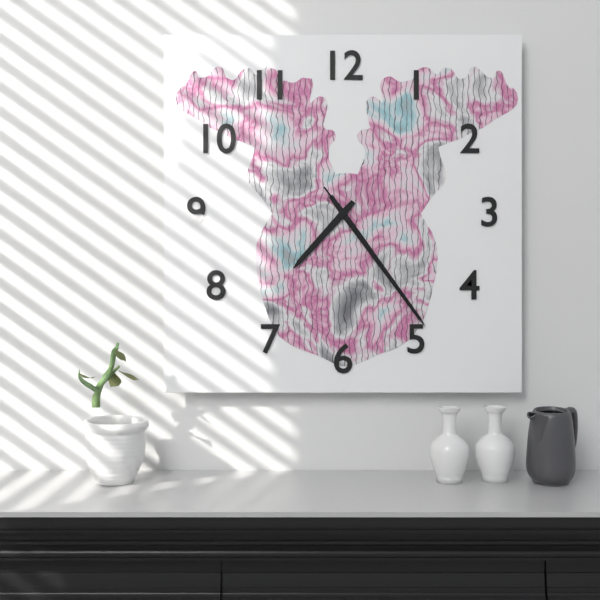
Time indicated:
7h24m24s
